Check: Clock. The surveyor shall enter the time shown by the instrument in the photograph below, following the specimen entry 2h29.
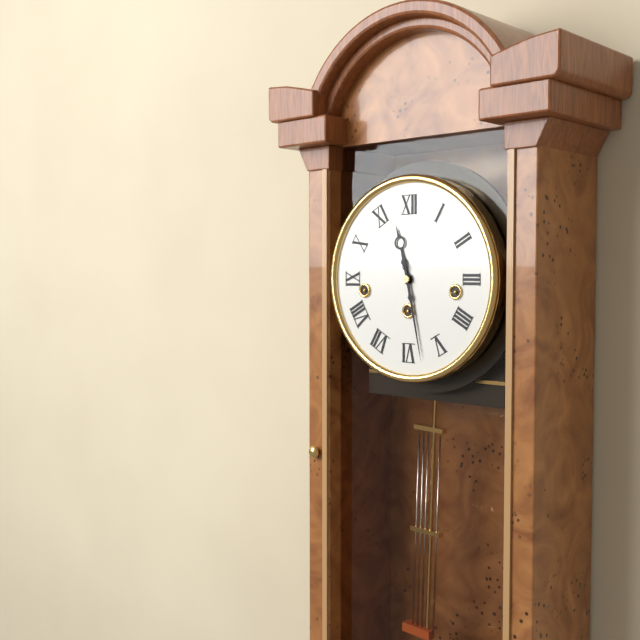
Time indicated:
11h28
